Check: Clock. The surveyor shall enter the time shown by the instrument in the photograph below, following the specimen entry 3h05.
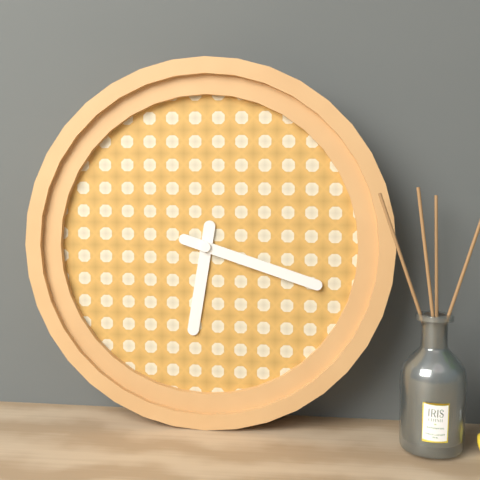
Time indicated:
6h18
